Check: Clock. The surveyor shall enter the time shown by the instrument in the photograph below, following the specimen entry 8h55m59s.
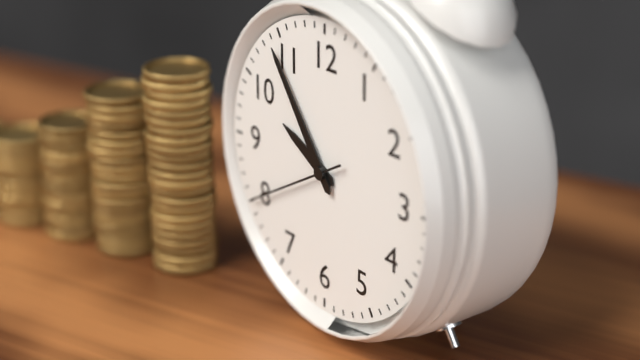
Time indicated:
9h54m40s
